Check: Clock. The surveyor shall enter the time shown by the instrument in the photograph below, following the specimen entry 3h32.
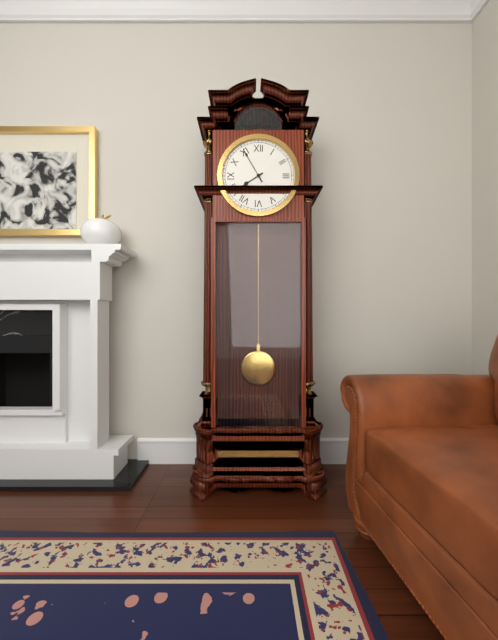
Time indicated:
7h55
